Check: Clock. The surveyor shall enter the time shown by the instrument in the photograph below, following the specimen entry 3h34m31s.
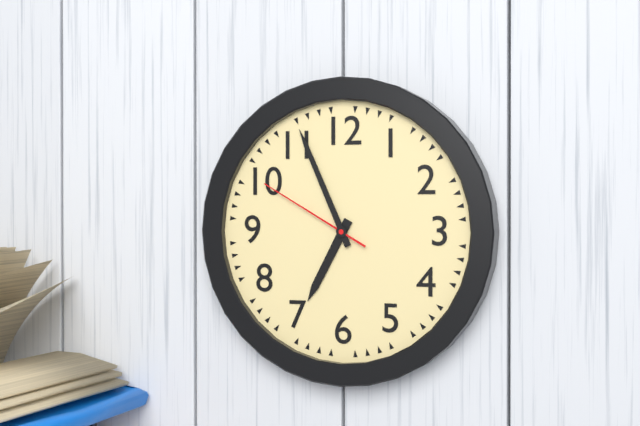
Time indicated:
6h56m50s
